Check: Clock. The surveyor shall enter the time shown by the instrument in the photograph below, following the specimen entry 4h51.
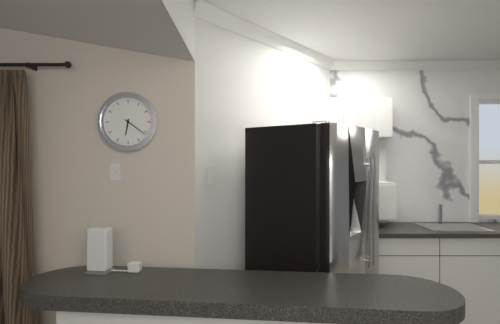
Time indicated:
6h21
